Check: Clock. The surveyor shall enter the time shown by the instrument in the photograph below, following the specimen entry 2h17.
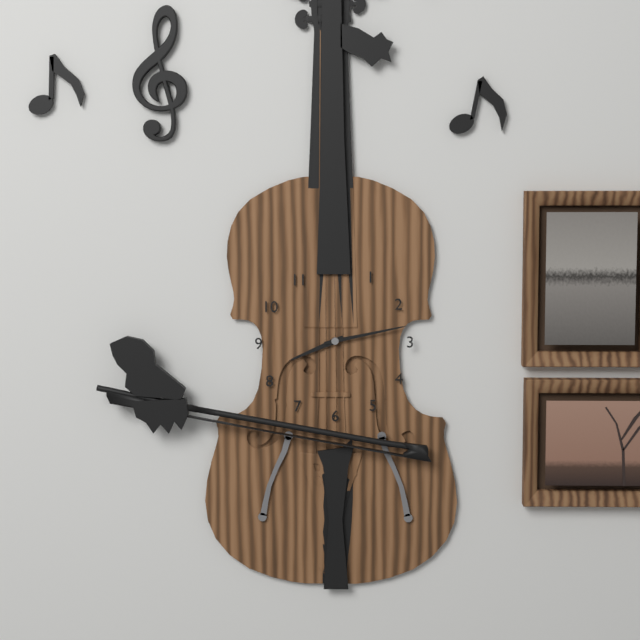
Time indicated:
8h13
